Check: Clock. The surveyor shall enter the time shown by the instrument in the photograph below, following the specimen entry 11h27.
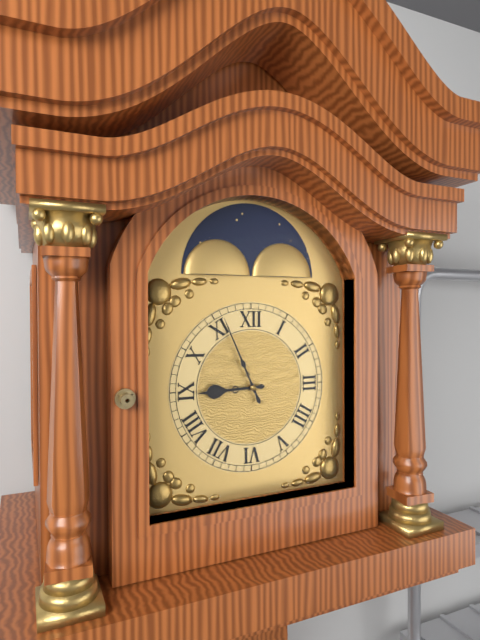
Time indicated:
8h56
